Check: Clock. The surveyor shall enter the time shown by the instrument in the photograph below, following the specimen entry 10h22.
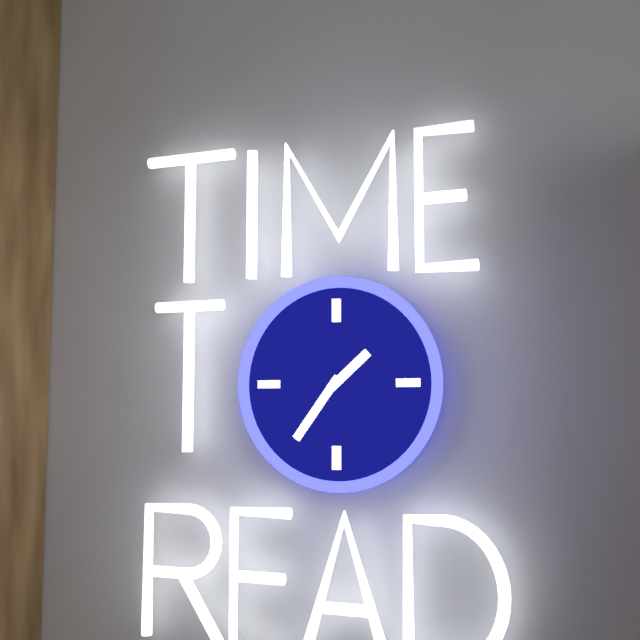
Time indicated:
1h36
